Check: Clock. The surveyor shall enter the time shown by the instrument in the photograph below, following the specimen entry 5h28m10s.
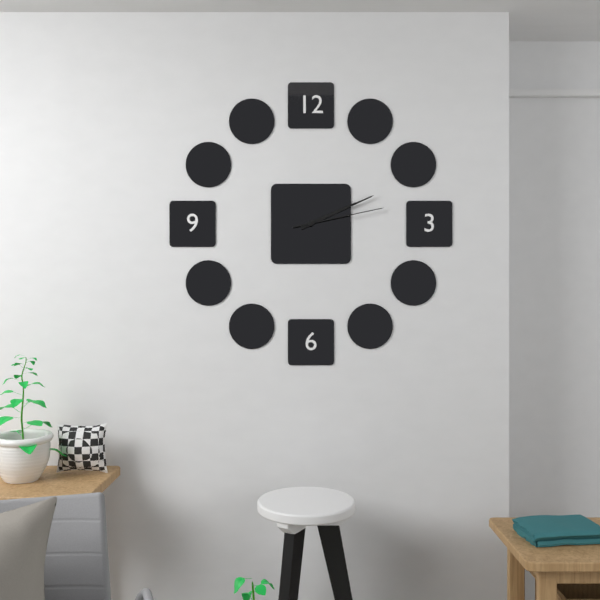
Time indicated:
2h11m13s
